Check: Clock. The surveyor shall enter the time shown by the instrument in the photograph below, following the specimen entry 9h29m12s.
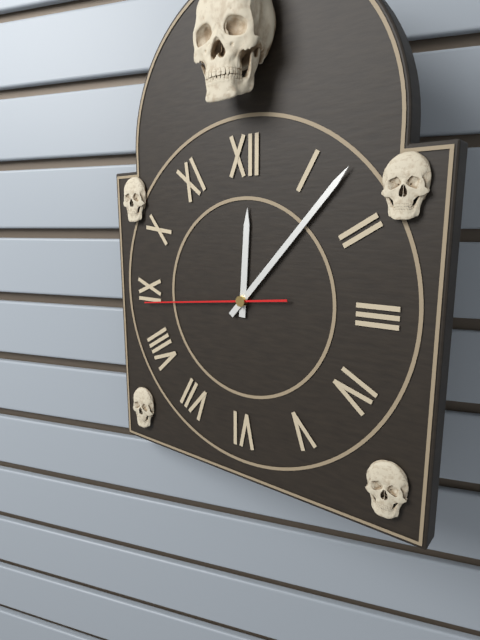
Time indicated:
12h07m44s
